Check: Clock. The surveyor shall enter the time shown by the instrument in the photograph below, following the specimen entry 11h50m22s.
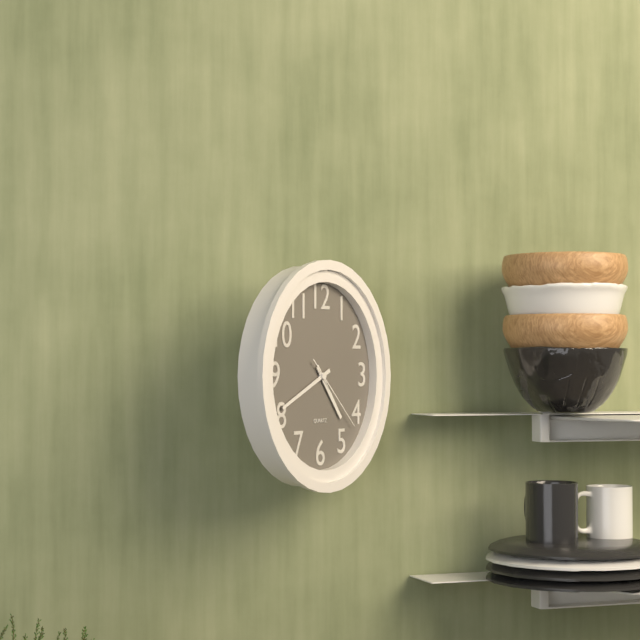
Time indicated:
4h41m22s
